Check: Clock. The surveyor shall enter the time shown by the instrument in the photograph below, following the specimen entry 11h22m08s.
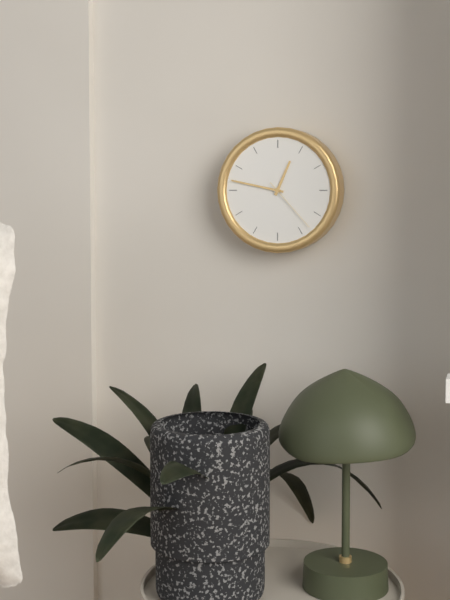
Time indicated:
12h47m23s
